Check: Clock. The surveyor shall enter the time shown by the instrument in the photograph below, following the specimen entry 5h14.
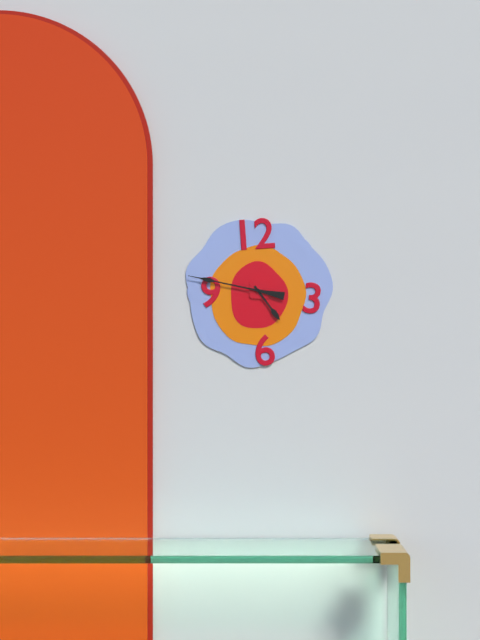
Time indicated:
4h47
